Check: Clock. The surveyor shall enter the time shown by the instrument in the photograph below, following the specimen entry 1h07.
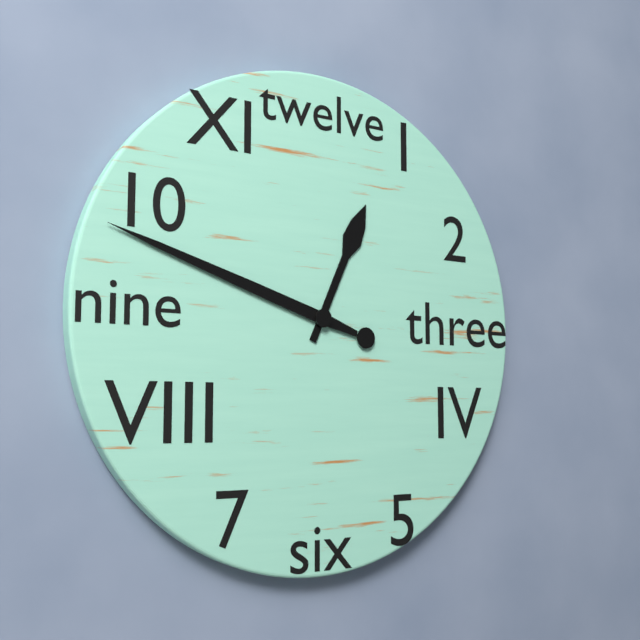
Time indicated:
12h48
